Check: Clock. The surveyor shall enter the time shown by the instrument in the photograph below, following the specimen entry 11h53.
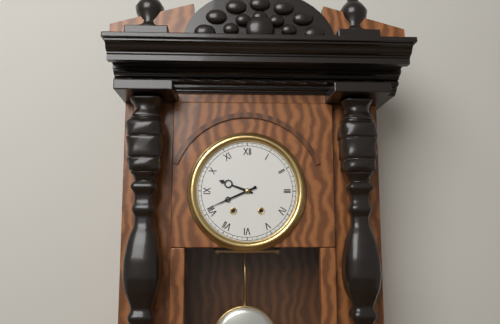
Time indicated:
9h41
